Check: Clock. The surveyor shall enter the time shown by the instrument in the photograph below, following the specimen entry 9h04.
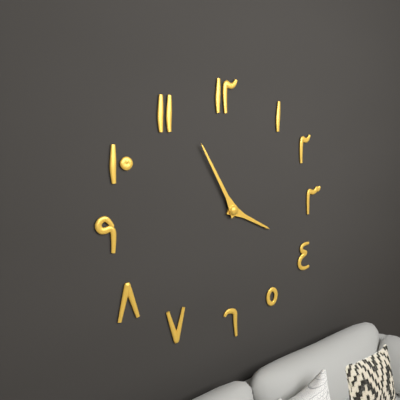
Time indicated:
3h55
